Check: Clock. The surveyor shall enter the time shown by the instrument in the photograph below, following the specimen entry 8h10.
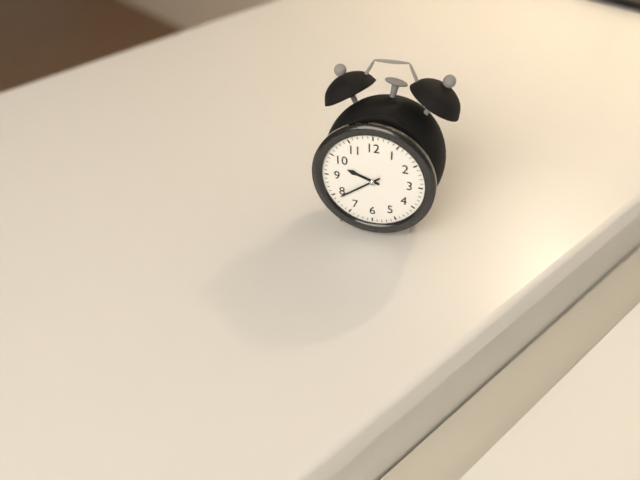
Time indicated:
9h39
